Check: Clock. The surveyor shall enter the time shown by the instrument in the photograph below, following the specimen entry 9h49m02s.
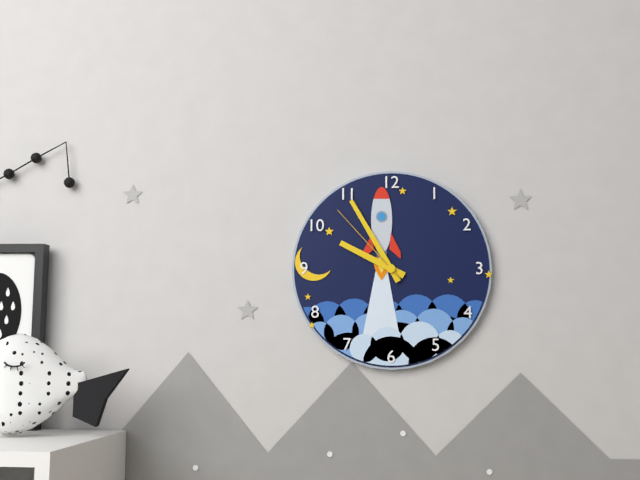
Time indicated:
9h55m53s
